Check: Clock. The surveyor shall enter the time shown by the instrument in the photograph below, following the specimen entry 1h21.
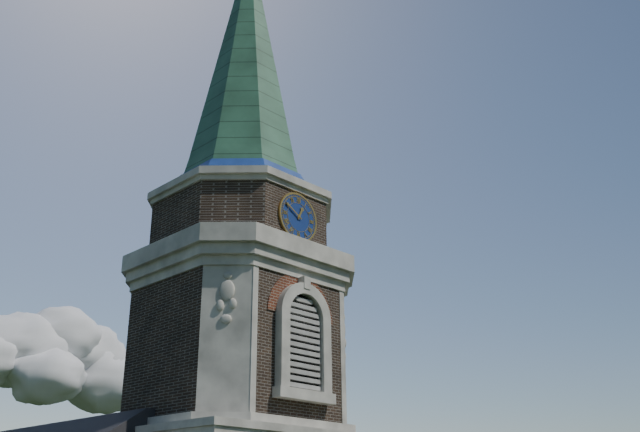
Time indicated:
12h50
